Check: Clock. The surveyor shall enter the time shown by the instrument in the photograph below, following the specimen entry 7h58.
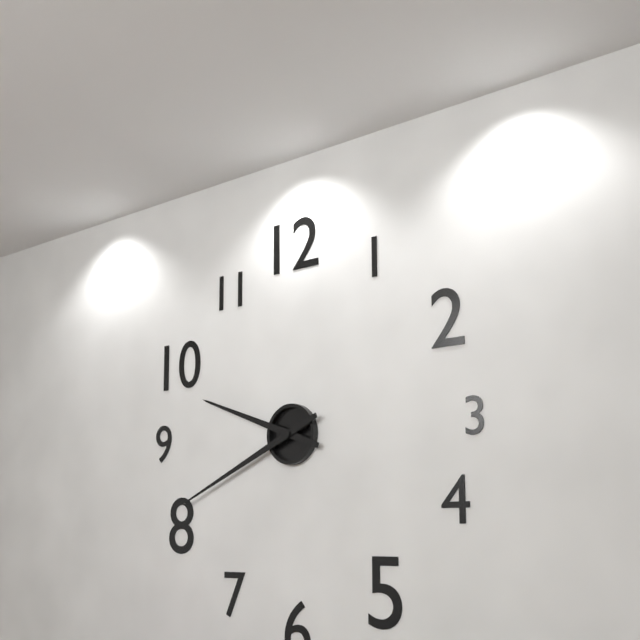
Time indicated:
9h41
